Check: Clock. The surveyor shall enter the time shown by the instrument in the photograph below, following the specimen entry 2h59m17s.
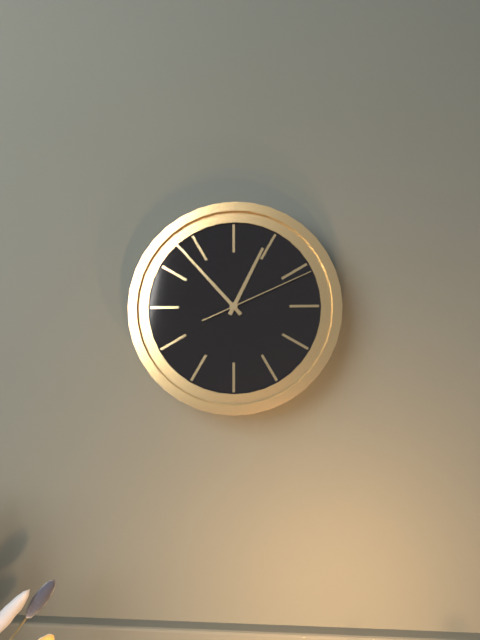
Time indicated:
12h53m11s
